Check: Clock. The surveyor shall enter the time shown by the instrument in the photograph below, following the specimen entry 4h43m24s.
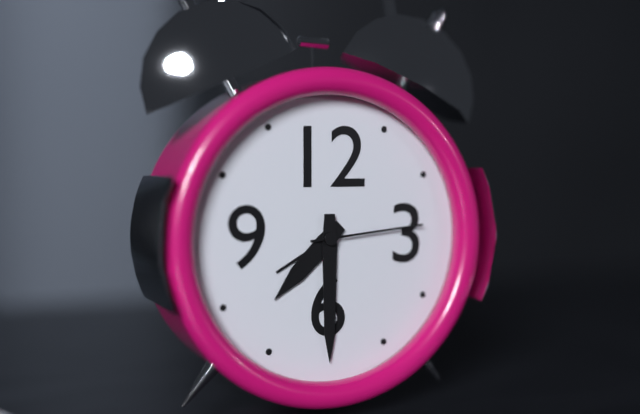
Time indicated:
7h30m14s
